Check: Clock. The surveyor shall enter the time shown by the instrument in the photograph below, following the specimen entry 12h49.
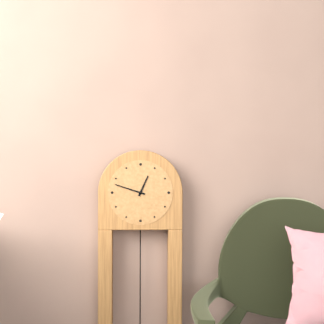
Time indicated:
12h48
